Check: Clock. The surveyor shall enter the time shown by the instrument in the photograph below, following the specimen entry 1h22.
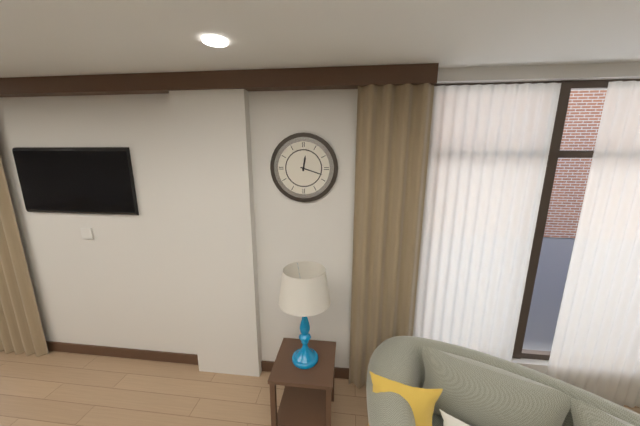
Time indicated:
12h18
